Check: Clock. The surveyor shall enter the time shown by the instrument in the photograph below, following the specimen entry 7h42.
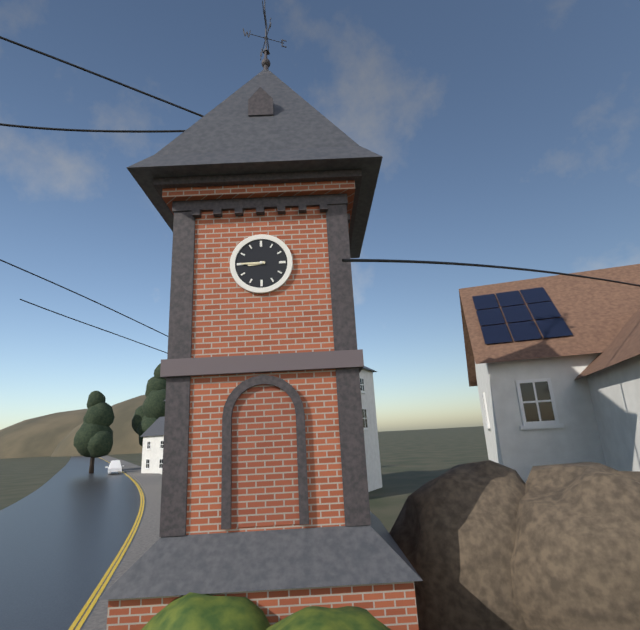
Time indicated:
8h45
